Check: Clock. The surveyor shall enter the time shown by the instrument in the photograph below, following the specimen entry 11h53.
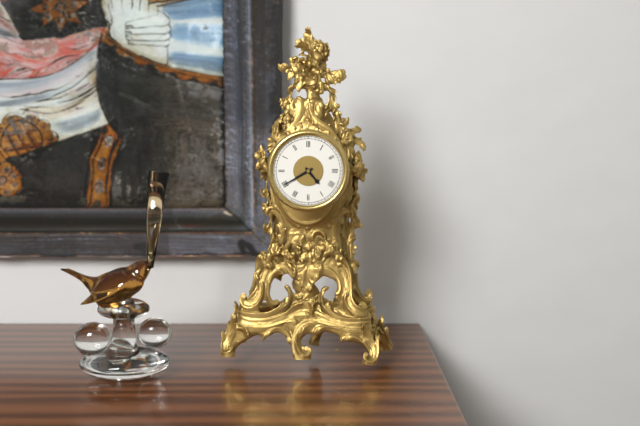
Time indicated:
4h40
